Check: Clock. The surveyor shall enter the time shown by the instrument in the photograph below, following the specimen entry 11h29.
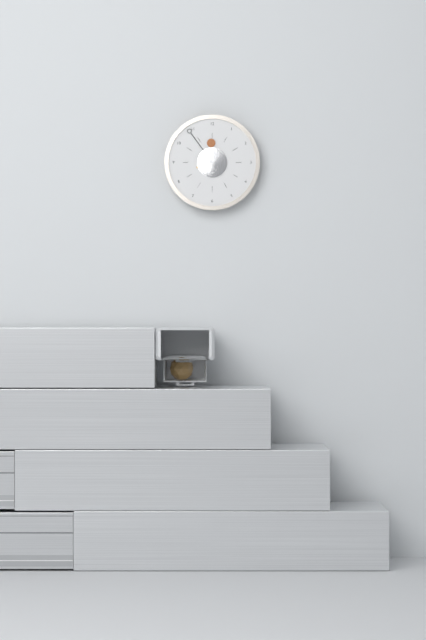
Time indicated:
11h54
